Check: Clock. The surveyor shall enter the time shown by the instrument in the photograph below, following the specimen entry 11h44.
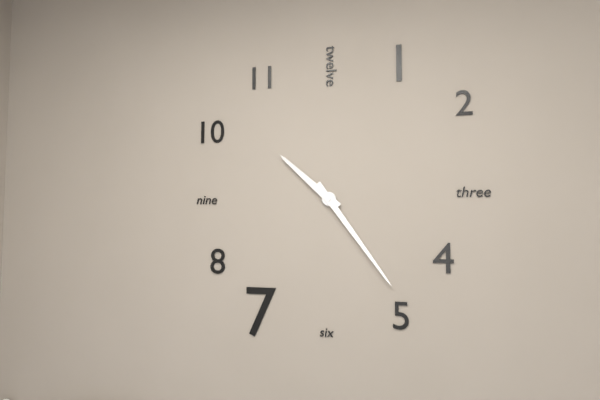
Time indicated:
10h24
